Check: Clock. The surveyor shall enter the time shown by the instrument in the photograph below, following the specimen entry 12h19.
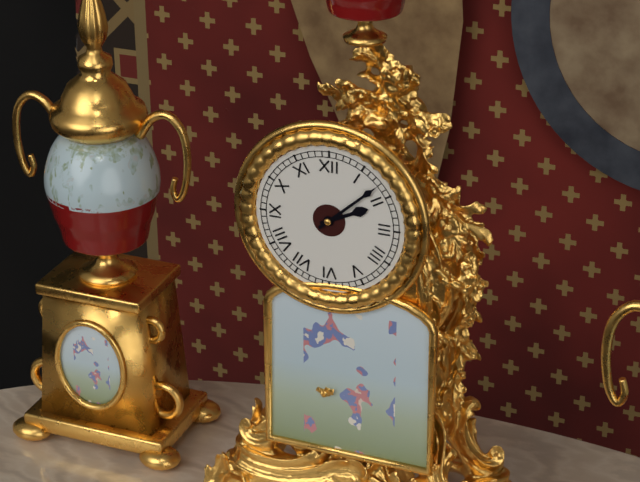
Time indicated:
2h08
